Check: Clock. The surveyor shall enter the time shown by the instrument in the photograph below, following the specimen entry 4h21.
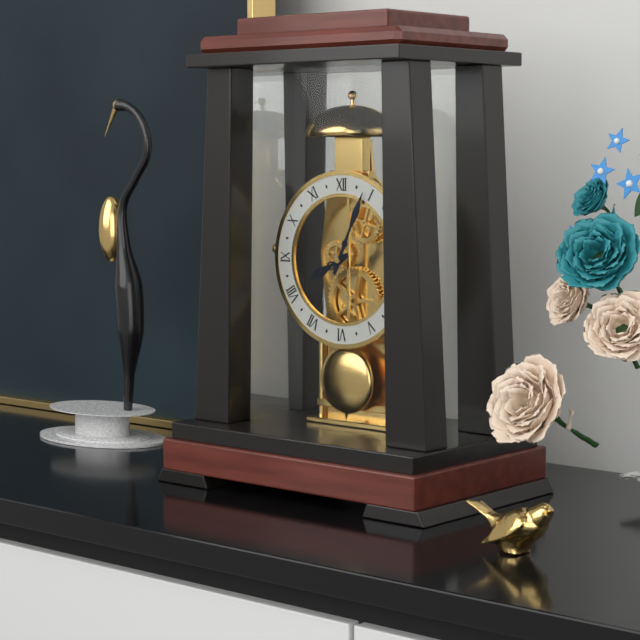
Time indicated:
8h04
